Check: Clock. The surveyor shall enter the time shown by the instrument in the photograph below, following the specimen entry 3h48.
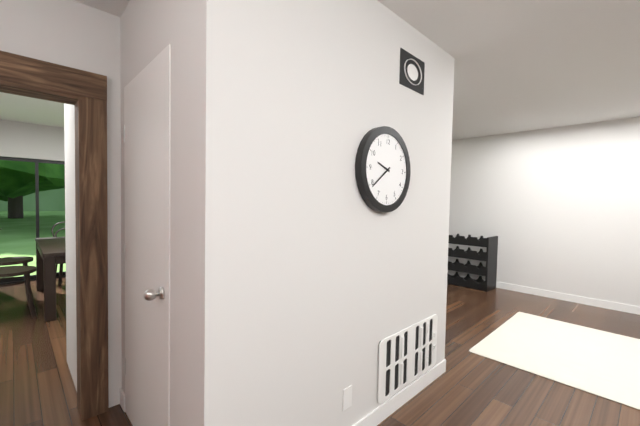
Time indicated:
9h39
